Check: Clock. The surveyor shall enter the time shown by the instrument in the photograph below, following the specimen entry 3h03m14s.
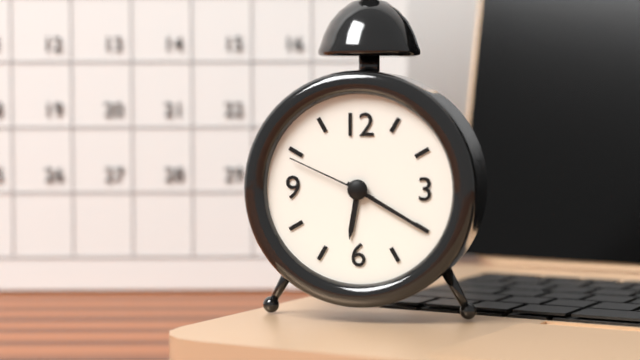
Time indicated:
6h20m49s
